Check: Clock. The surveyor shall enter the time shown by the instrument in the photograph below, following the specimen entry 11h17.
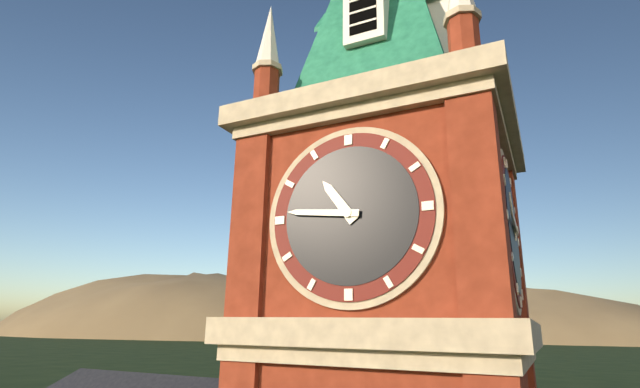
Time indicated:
10h46
